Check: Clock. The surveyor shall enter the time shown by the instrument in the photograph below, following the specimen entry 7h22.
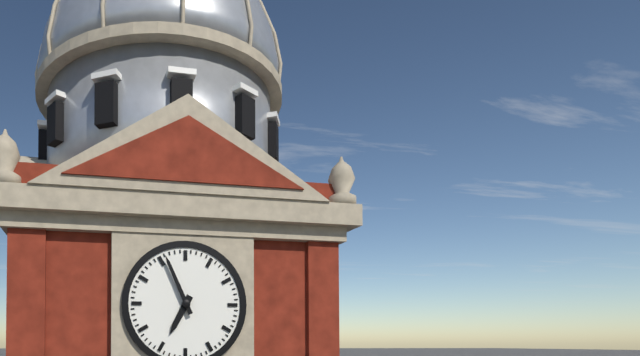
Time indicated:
6h56
